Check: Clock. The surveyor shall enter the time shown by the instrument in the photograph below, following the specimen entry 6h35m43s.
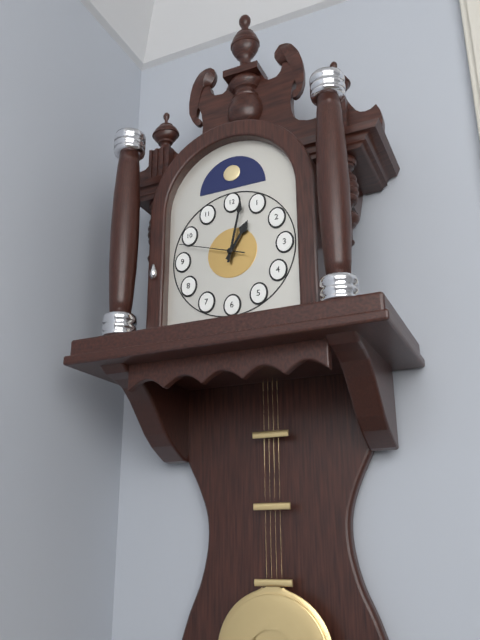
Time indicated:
1h02m48s
